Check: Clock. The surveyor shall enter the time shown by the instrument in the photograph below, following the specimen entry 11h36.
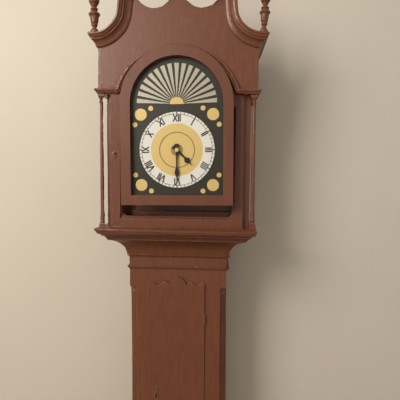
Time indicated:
4h30
